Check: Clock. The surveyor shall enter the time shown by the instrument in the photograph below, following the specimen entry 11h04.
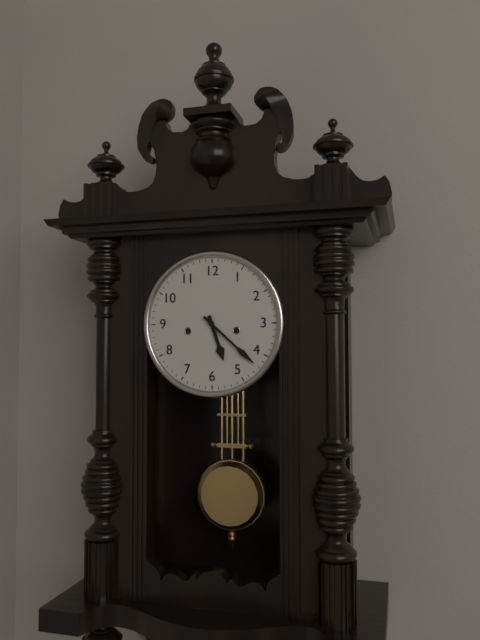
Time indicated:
5h22
